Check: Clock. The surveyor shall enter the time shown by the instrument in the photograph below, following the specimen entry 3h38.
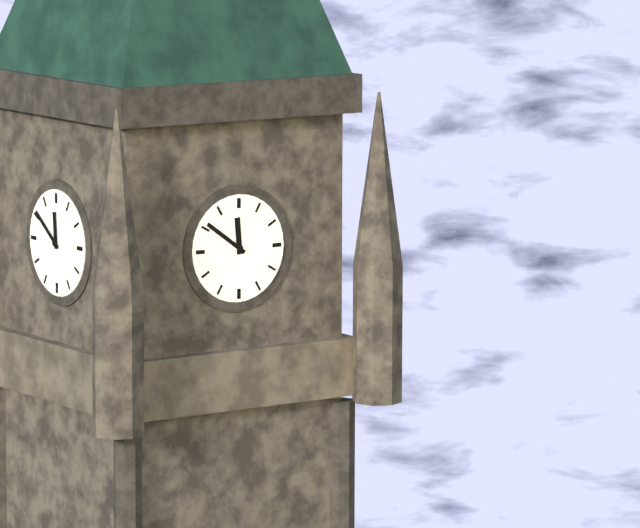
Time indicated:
11h51
